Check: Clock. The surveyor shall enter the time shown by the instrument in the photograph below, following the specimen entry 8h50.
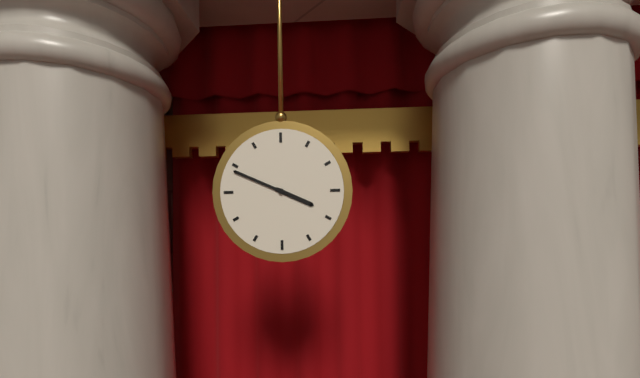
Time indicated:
3h49
